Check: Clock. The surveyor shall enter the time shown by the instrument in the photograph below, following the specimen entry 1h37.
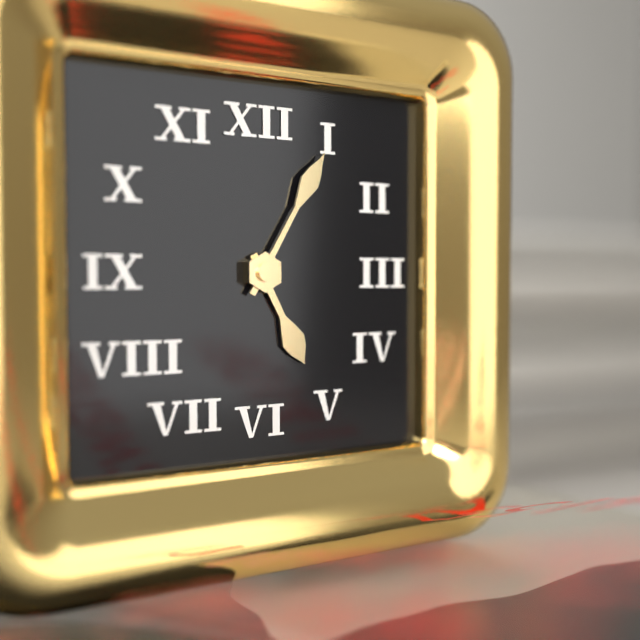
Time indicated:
5h05
